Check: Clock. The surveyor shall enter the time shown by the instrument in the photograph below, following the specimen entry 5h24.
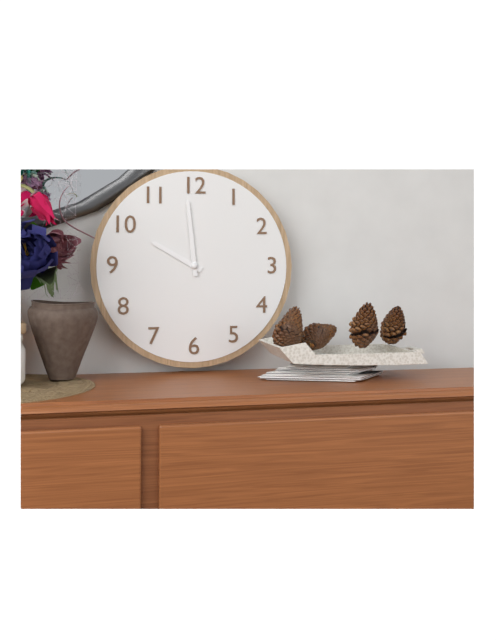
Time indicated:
9h59
